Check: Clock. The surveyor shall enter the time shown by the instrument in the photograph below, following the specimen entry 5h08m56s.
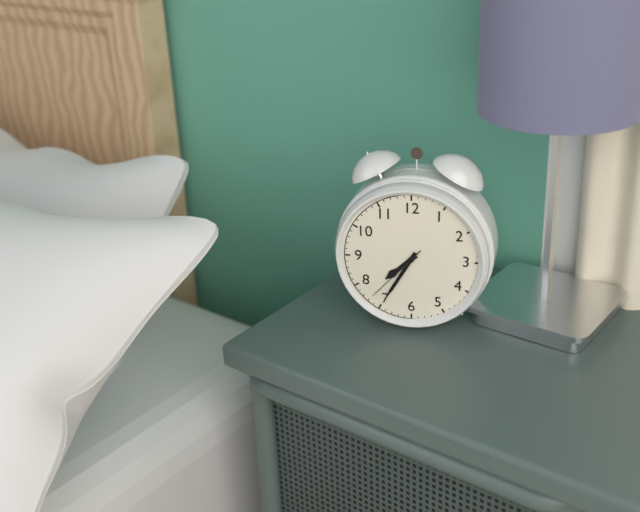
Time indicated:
7h35m37s
